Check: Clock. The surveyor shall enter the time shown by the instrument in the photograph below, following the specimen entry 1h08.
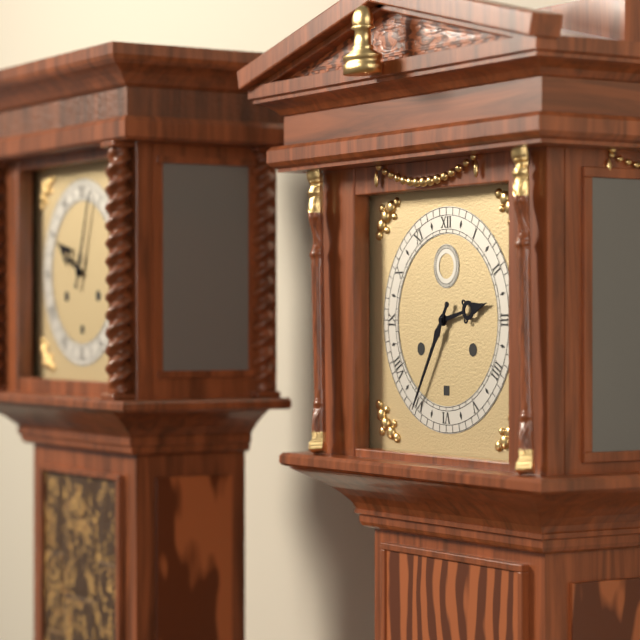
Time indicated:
2h35
